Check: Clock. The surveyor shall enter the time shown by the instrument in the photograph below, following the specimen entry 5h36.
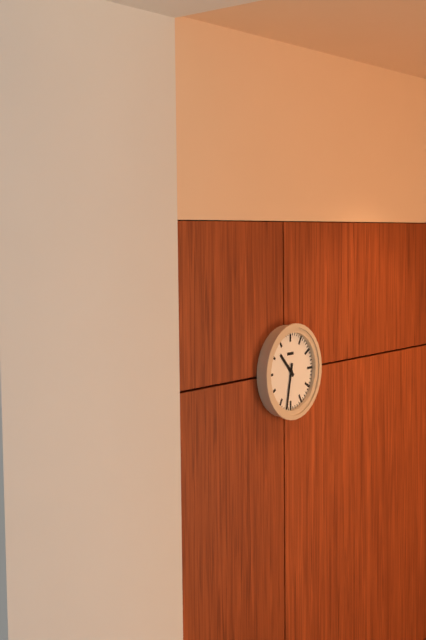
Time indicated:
10h32
